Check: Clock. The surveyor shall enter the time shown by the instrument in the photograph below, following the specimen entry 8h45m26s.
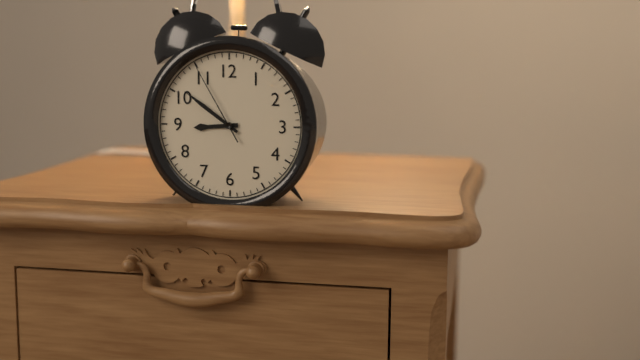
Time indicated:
8h51m55s
